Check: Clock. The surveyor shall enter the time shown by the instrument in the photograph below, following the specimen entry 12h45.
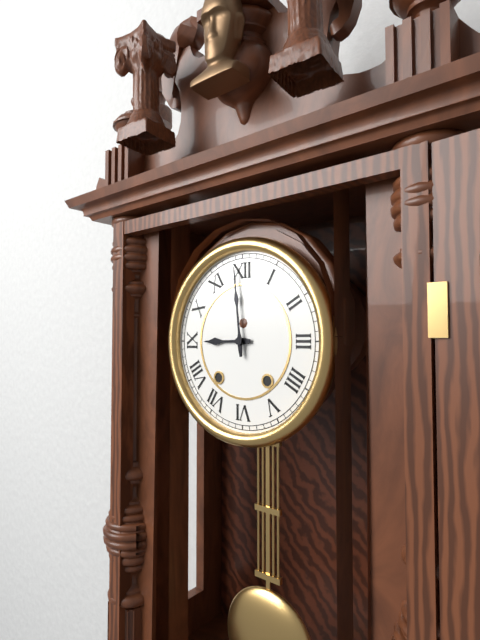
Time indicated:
8h59
